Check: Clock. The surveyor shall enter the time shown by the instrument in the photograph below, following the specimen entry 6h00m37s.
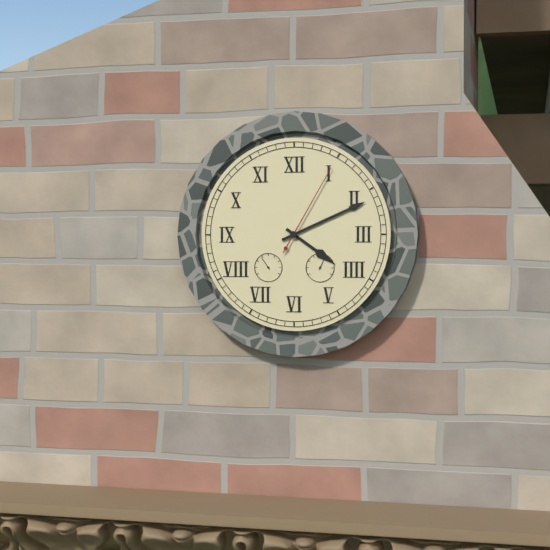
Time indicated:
4h11m05s
